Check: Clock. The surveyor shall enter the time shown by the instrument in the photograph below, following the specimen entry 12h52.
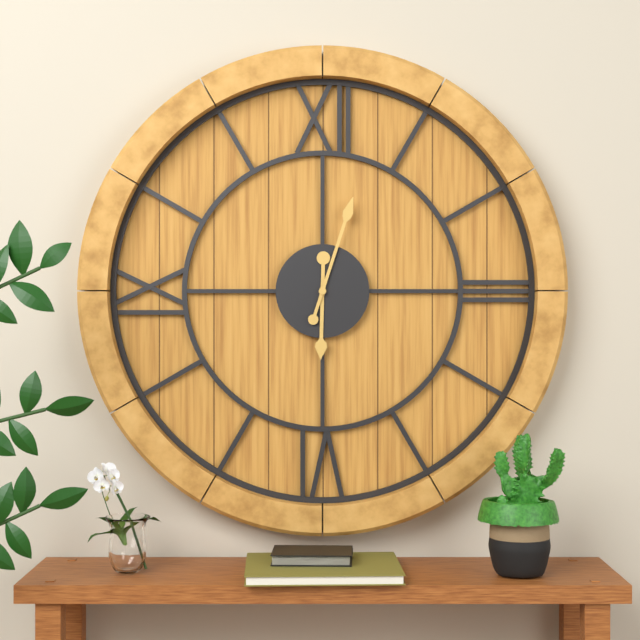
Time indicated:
6h03
